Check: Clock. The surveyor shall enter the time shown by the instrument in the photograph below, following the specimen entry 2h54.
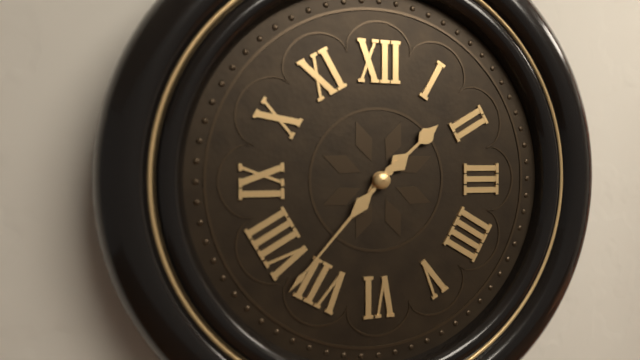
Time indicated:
1h37
